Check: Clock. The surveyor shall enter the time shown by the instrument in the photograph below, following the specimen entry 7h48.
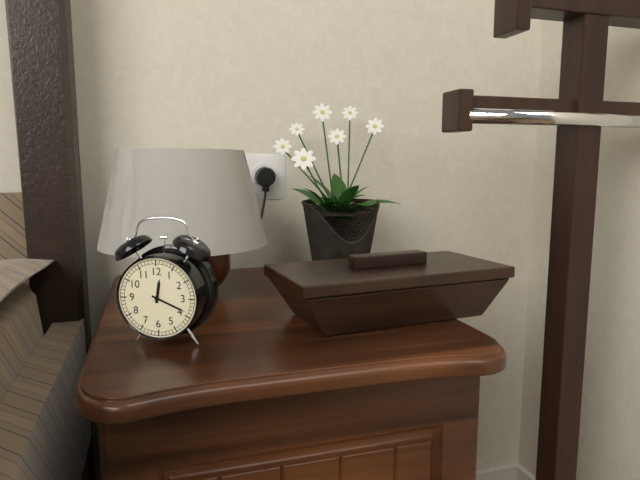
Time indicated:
12h19
